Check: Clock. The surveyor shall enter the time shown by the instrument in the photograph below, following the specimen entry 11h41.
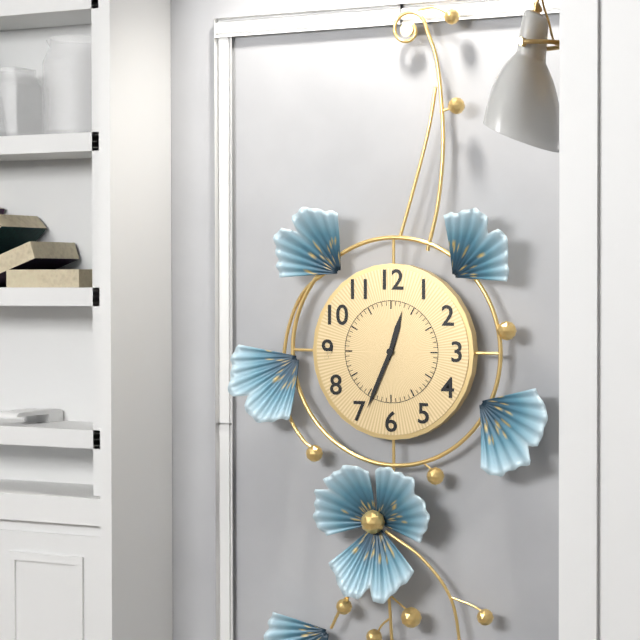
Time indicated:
12h34
